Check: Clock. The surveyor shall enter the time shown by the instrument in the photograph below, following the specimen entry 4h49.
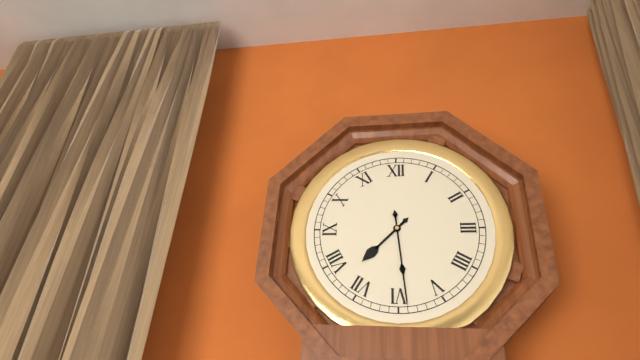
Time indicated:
7h29
